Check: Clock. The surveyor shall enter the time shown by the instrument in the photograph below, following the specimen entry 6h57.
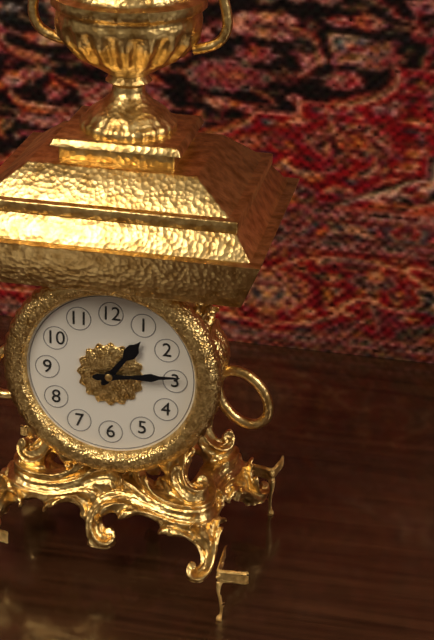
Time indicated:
1h14
